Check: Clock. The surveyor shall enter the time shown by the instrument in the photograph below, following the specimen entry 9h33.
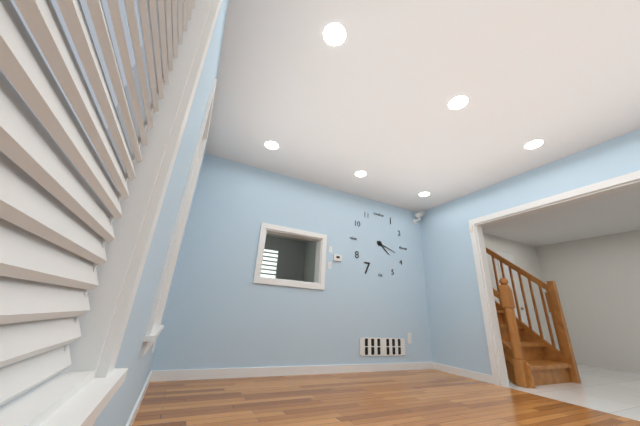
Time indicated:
4h18
